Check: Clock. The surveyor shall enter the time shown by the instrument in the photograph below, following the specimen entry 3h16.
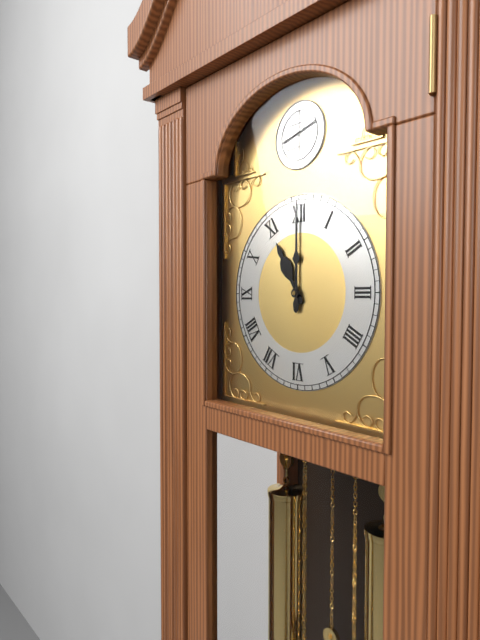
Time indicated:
11h00
